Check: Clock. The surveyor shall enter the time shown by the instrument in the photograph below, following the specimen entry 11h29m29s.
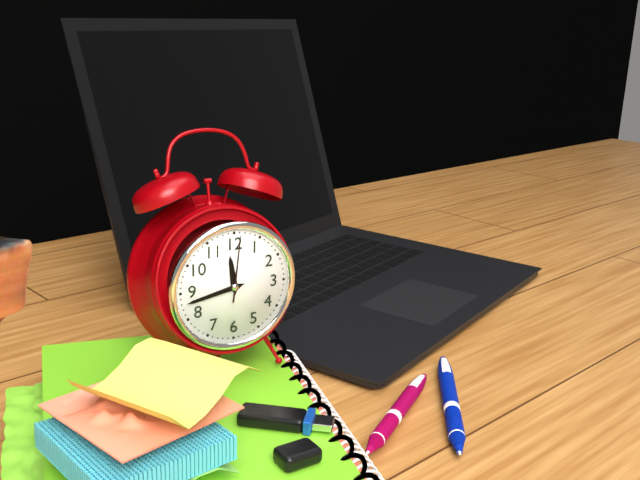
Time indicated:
11h43m01s
